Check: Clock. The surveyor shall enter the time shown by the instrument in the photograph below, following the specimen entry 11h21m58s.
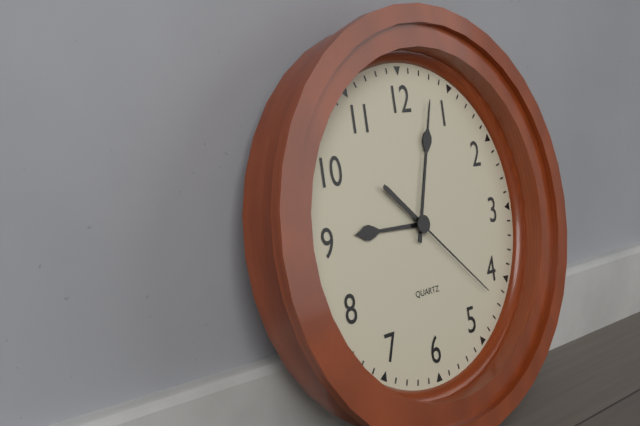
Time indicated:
9h03m22s
